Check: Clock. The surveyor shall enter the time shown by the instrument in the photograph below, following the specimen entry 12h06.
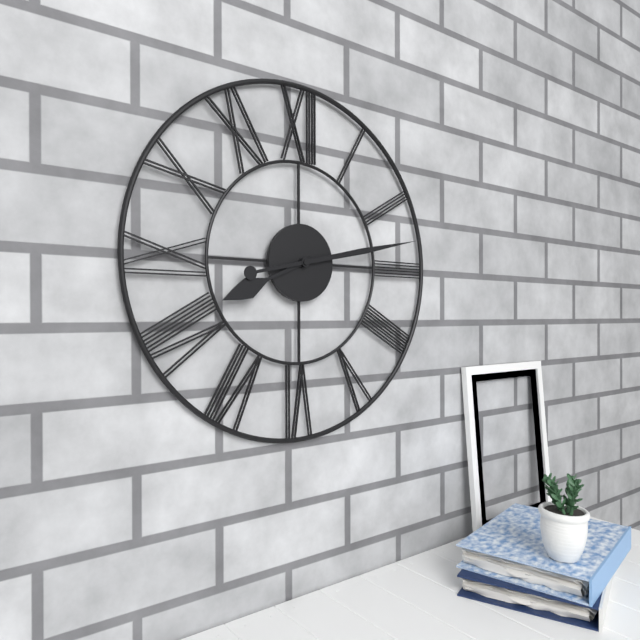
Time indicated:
8h13
